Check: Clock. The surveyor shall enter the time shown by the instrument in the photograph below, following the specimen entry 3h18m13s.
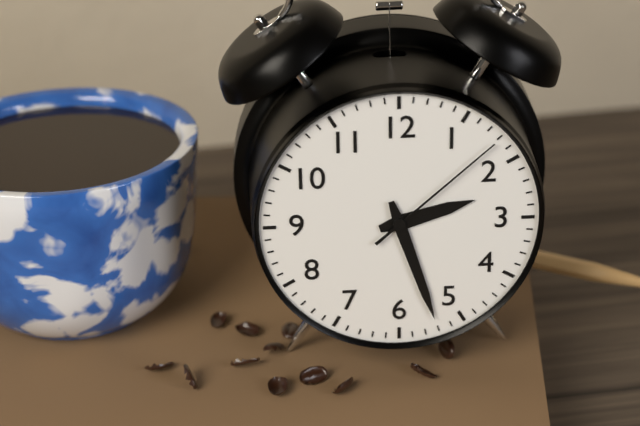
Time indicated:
2h27m08s
